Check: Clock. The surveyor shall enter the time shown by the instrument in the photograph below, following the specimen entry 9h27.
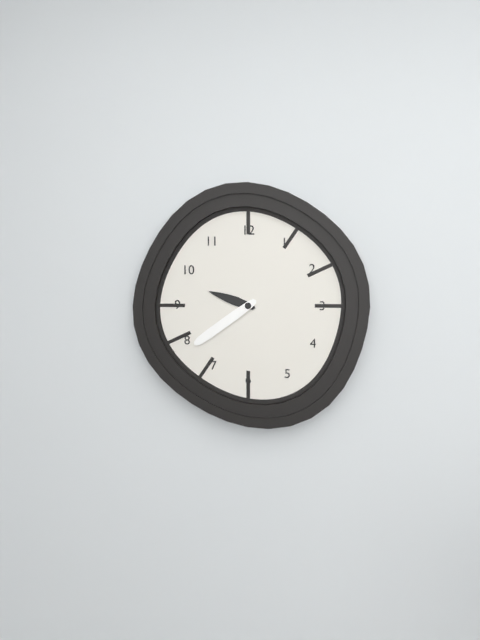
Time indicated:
9h39
